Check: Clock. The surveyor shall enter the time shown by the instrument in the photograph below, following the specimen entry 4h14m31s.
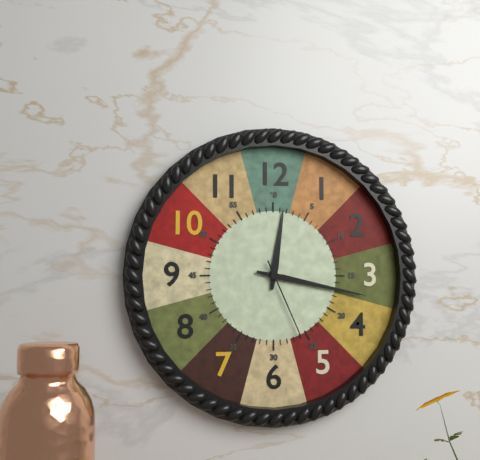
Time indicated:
12h17m26s
